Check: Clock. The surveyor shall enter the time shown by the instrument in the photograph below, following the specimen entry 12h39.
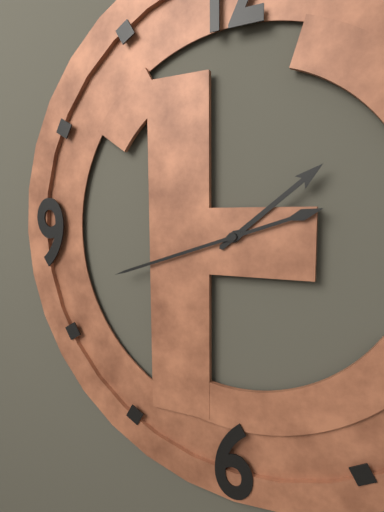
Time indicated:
1h42
